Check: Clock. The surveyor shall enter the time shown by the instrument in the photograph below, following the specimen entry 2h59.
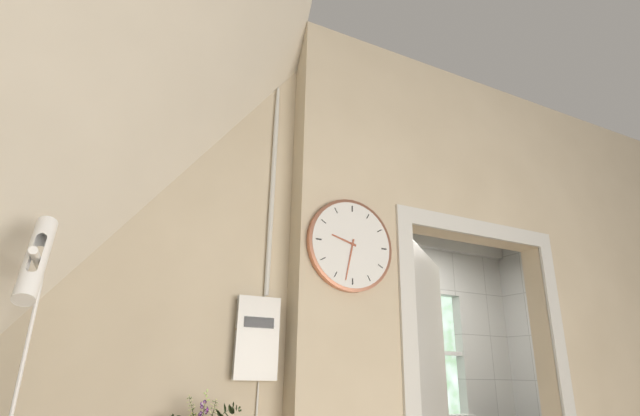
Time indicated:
9h32
